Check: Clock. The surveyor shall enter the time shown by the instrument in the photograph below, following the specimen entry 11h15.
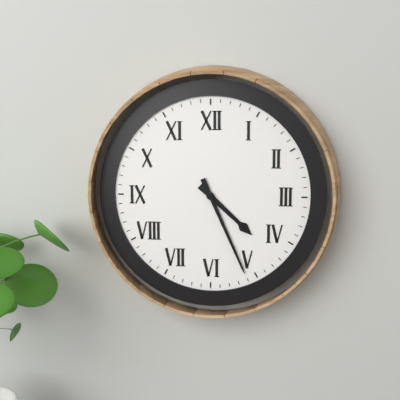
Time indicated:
4h26
